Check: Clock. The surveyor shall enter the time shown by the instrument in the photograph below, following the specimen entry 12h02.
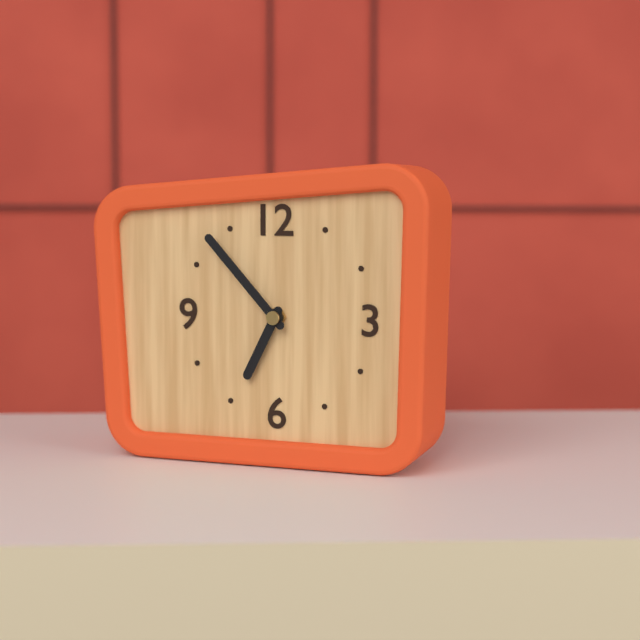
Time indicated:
6h53
